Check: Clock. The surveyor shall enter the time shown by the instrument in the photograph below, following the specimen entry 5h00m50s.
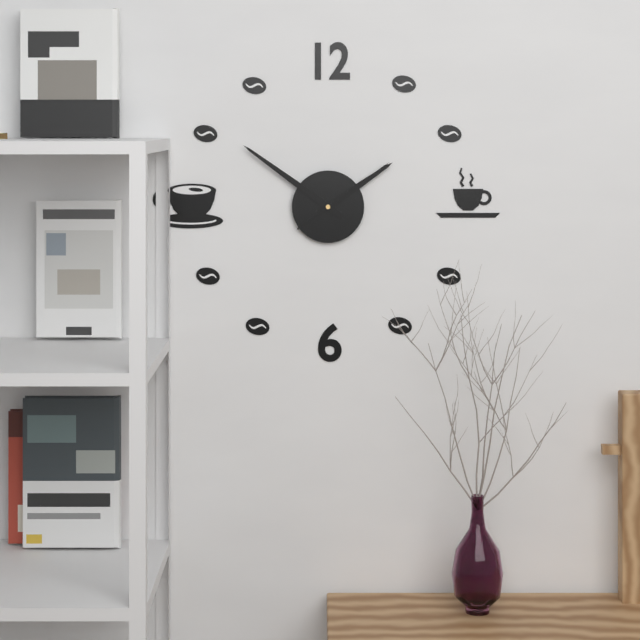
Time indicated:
1h51m09s
